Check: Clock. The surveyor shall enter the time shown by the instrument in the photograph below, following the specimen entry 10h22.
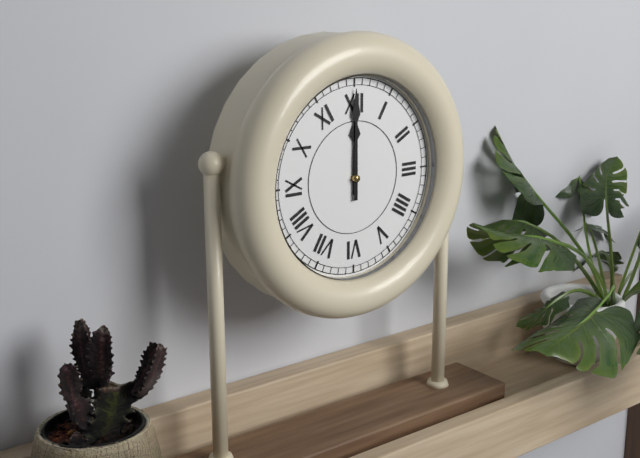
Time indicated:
12h00
